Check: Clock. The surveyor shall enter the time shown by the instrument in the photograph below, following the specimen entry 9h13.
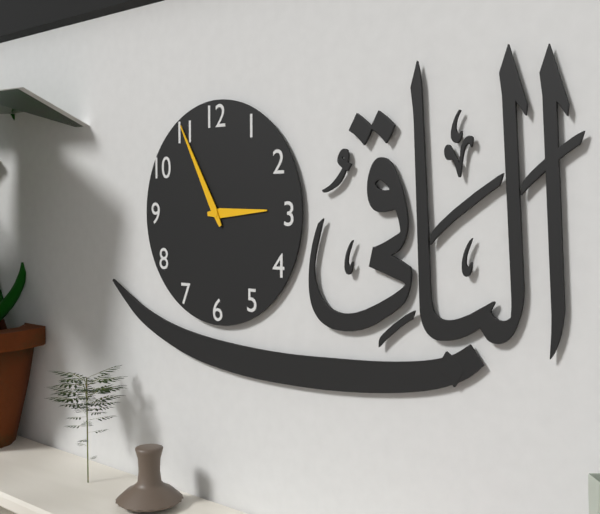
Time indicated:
2h55
